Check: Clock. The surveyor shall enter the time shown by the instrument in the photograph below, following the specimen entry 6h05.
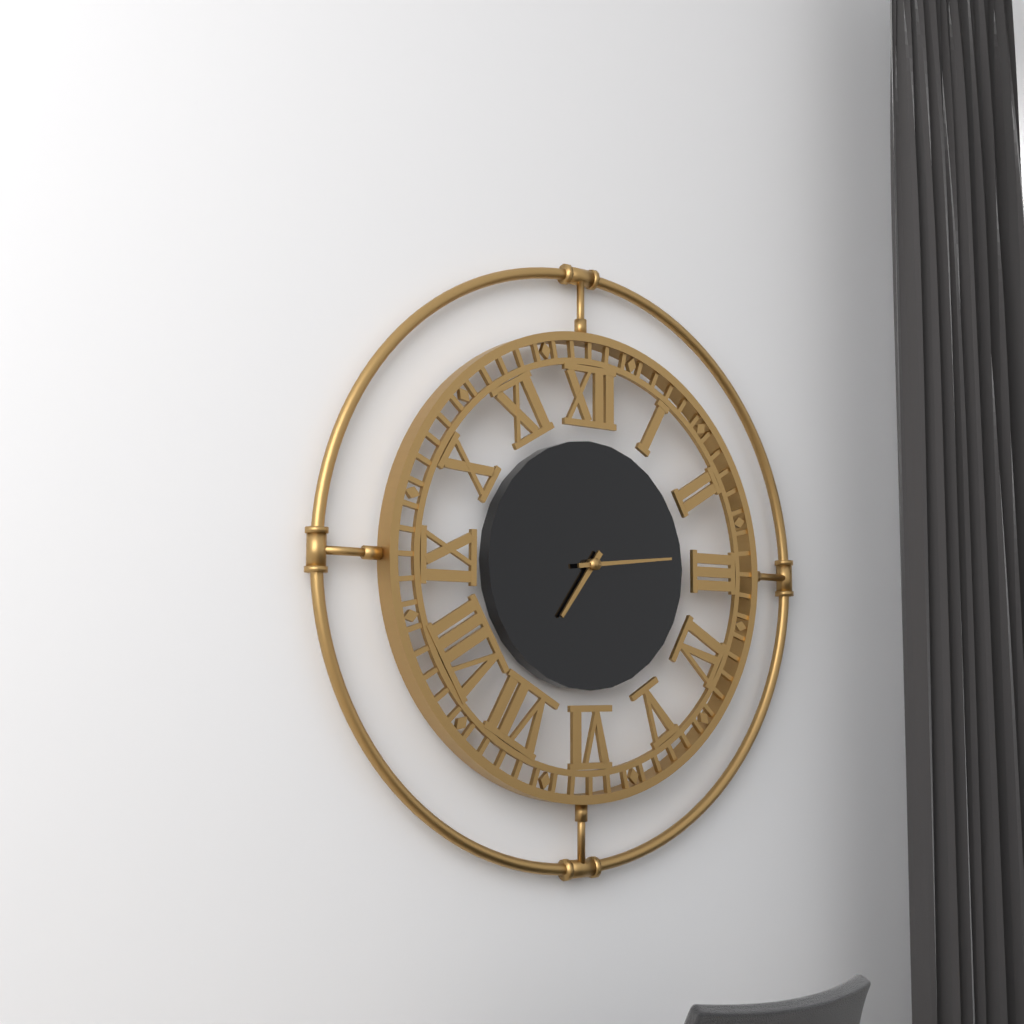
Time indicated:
7h14
